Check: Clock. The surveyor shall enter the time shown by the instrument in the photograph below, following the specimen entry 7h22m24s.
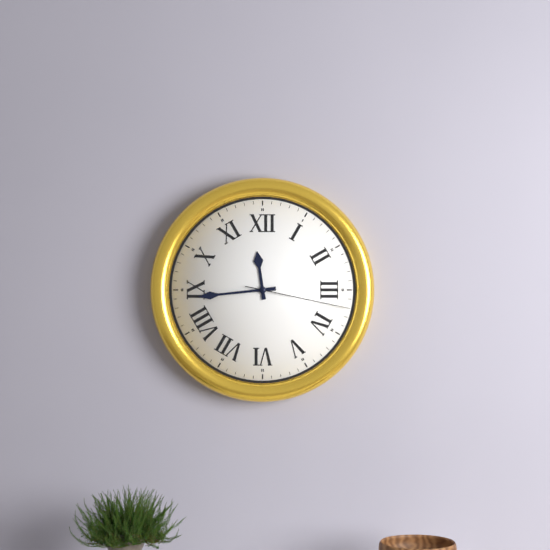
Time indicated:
11h44m17s
